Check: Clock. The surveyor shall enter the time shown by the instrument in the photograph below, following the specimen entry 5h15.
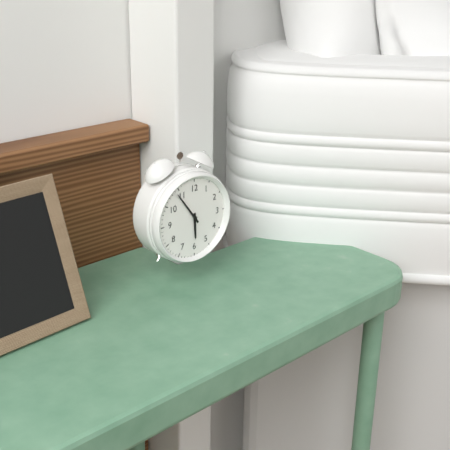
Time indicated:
5h54
